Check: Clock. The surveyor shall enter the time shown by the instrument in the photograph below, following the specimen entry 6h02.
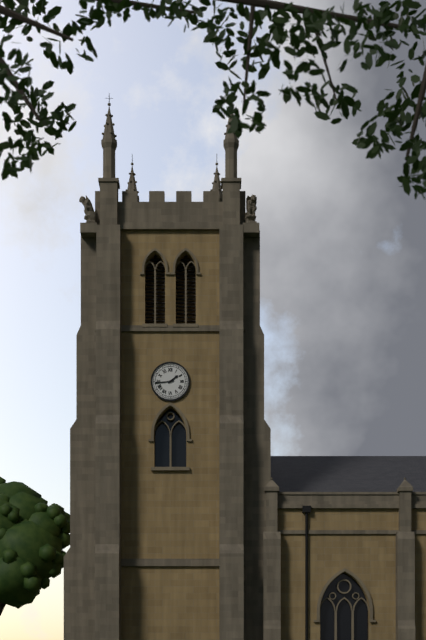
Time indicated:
1h44
